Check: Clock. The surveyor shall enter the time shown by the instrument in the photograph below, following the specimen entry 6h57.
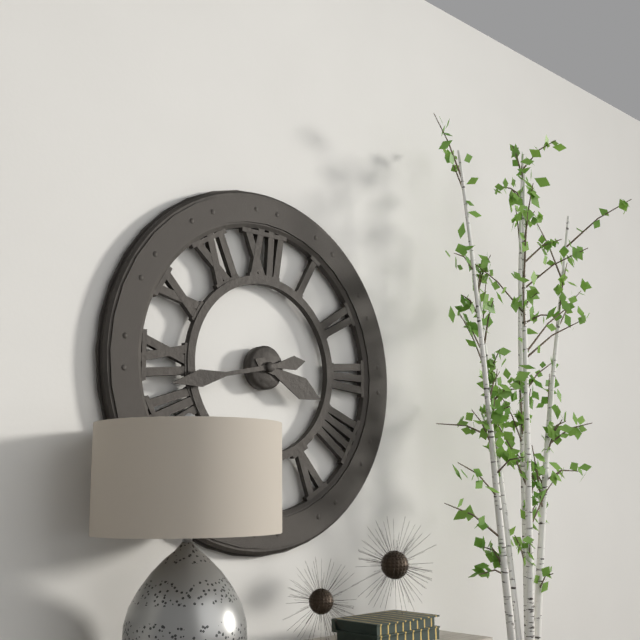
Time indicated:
3h43
